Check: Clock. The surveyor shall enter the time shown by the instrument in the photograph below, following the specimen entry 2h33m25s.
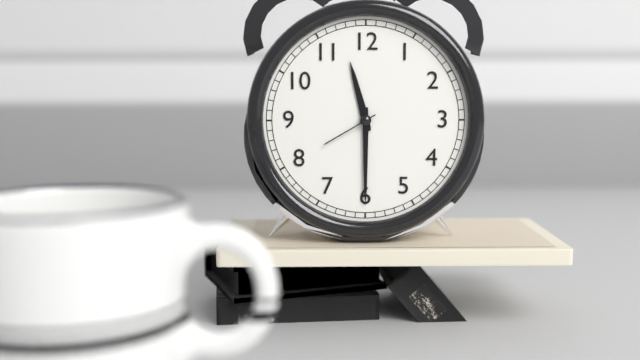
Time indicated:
11h30m40s
